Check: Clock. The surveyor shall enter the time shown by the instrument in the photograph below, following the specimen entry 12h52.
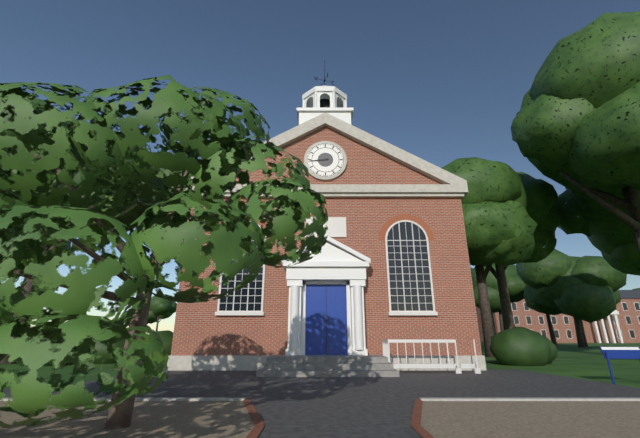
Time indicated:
8h44
